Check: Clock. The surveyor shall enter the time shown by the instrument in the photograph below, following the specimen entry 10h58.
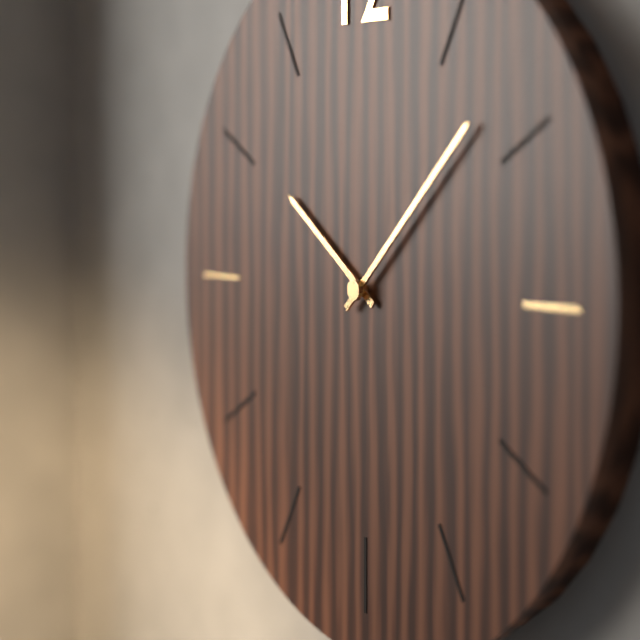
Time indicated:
10h08
